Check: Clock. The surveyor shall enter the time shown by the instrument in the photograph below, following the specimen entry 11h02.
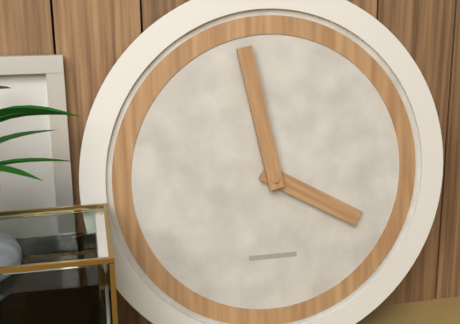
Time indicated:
3h58
